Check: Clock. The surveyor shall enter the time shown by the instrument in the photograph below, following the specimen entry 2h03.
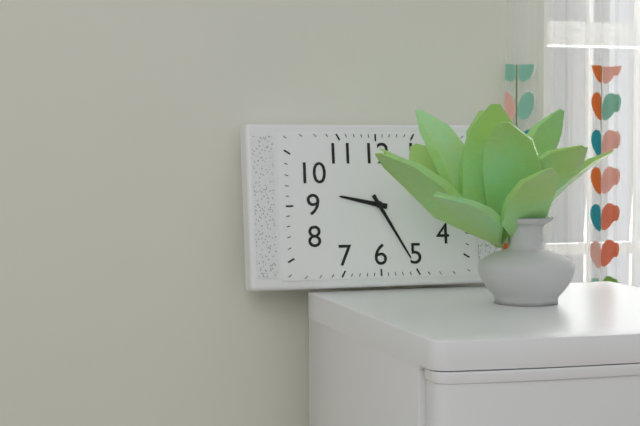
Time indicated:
9h25
